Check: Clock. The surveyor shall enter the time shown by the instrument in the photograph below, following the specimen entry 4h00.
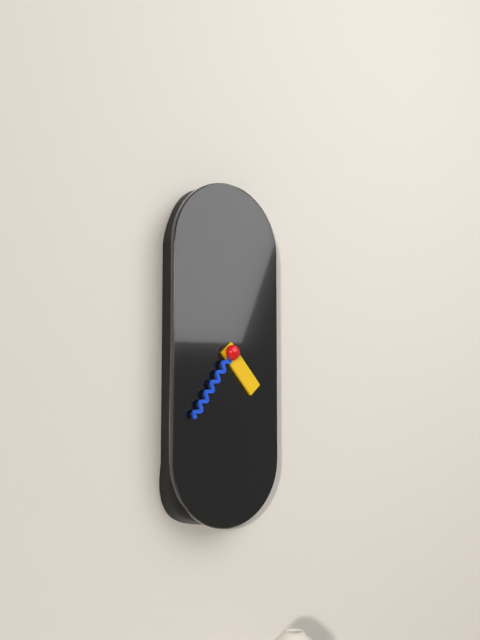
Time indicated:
4h36
